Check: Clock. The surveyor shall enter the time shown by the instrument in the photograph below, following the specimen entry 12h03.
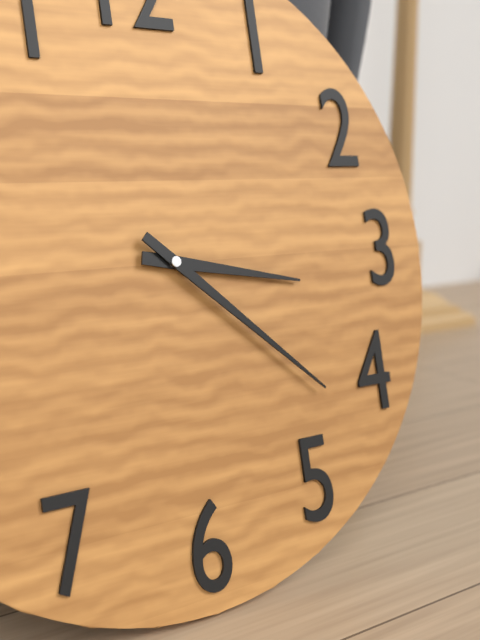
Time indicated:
3h22
